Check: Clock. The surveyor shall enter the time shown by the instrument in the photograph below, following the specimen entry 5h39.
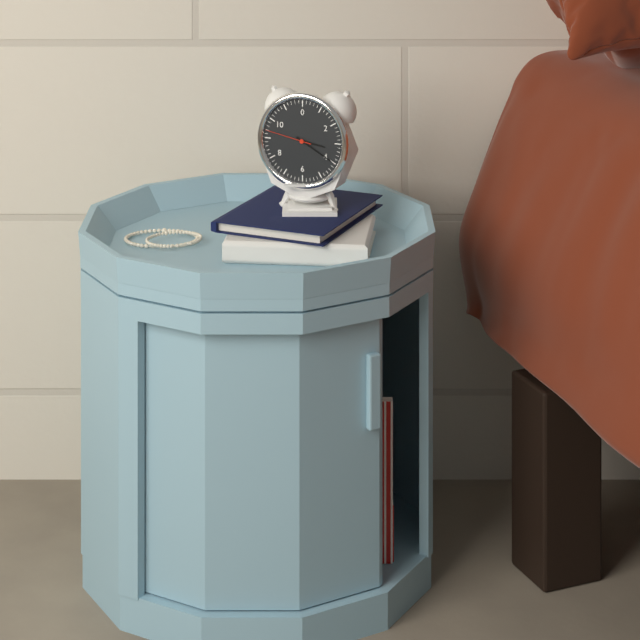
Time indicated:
3h20
